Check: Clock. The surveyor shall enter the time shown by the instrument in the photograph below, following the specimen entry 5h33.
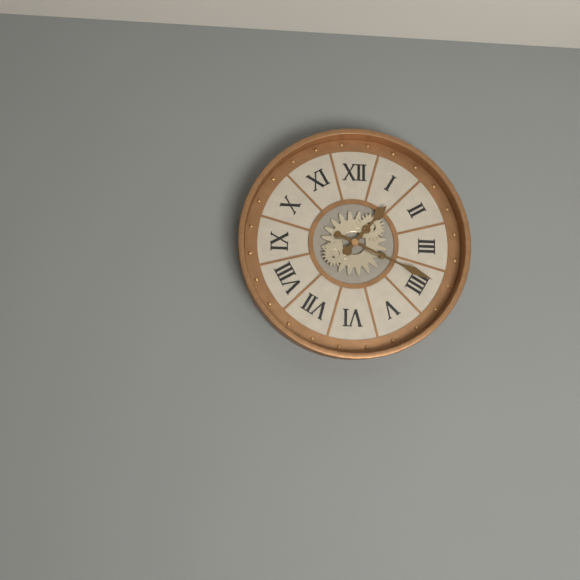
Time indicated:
1h19
